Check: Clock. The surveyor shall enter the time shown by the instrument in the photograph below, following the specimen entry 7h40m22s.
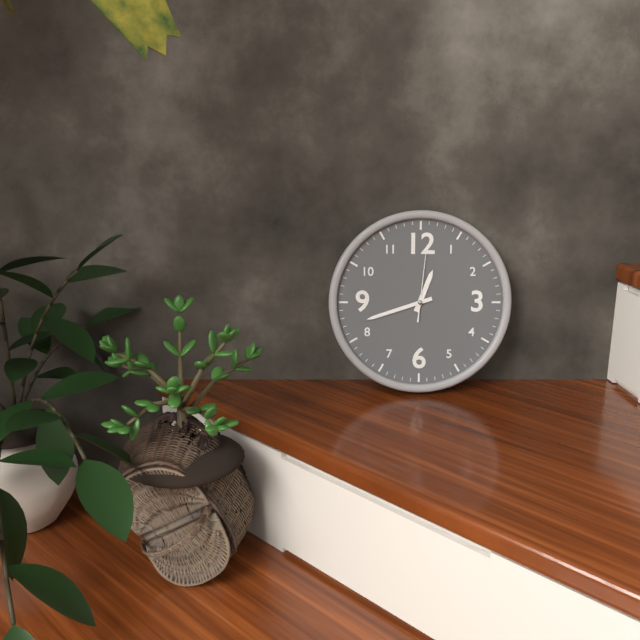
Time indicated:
12h42m01s
